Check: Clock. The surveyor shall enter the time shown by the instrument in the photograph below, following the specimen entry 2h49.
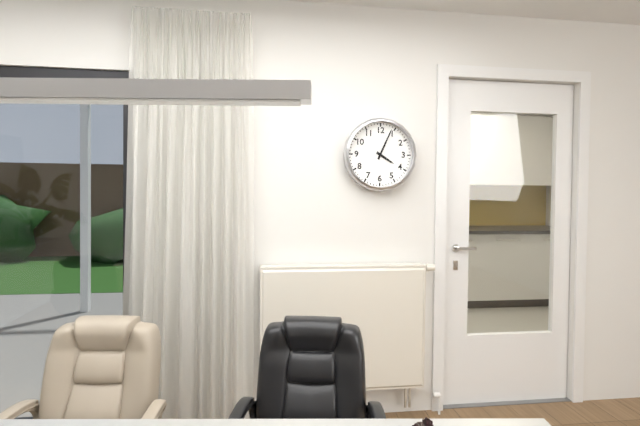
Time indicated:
4h04
